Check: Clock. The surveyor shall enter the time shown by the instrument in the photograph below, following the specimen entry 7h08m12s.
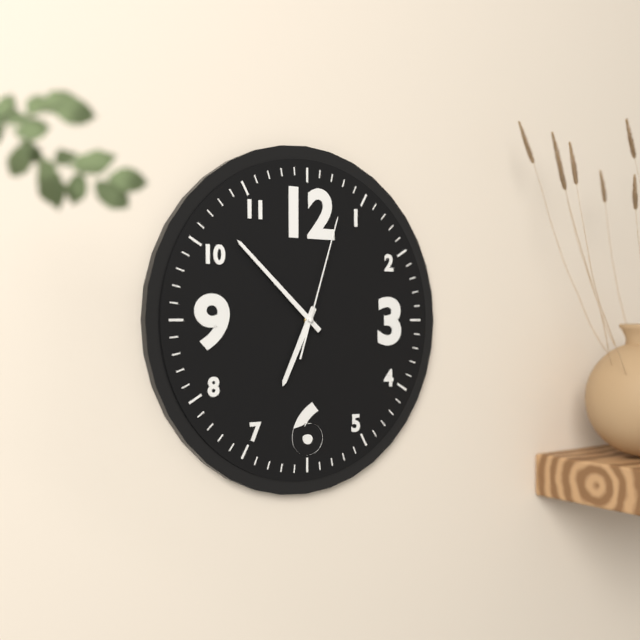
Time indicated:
6h52m03s
